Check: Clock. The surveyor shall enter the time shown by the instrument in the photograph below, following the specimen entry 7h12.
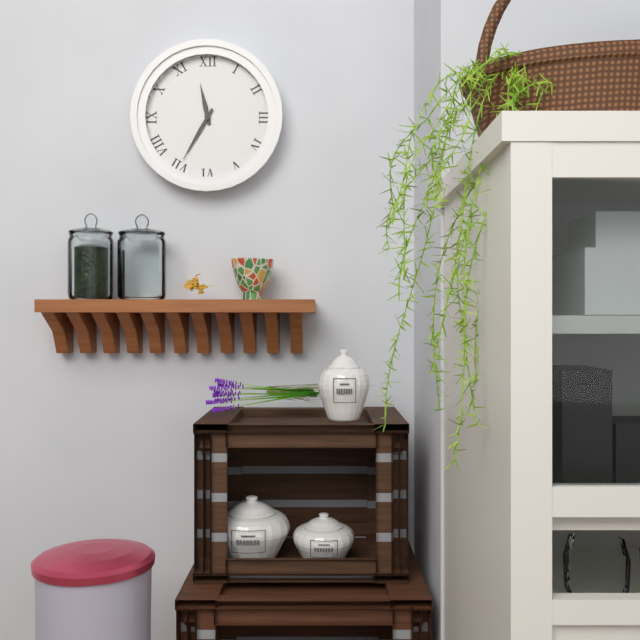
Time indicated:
11h35
